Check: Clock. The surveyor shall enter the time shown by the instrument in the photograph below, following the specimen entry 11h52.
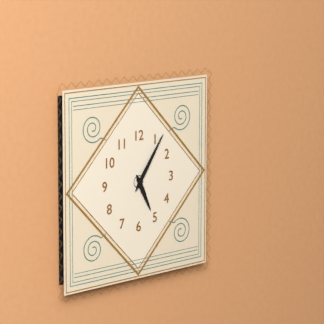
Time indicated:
5h06
